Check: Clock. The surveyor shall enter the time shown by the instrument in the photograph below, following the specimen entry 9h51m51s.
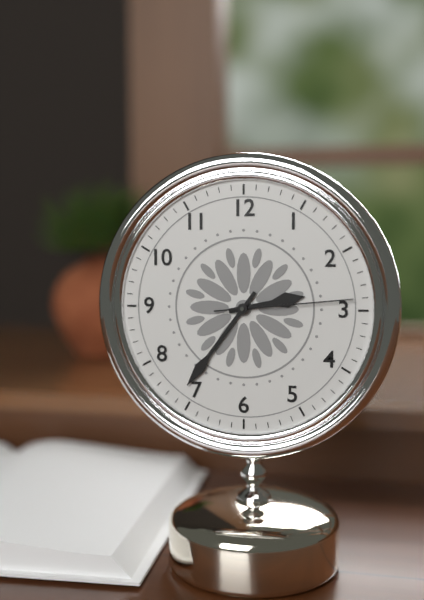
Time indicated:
2h36m14s
